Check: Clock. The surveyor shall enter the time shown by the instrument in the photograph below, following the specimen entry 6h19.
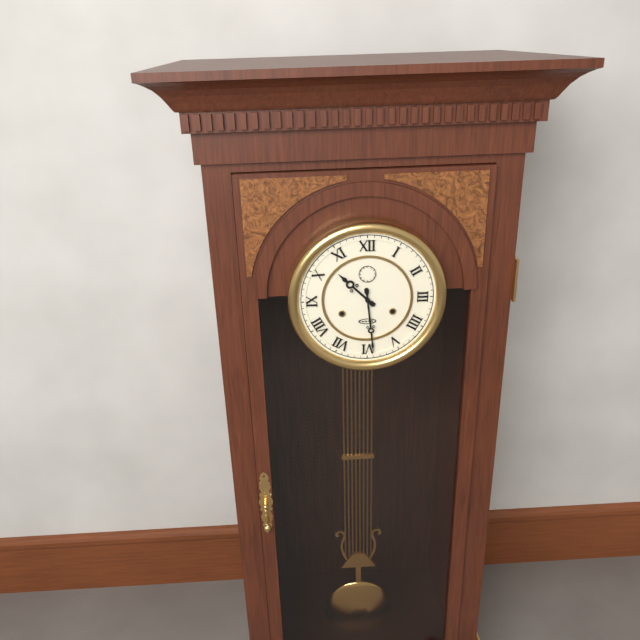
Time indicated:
10h29
